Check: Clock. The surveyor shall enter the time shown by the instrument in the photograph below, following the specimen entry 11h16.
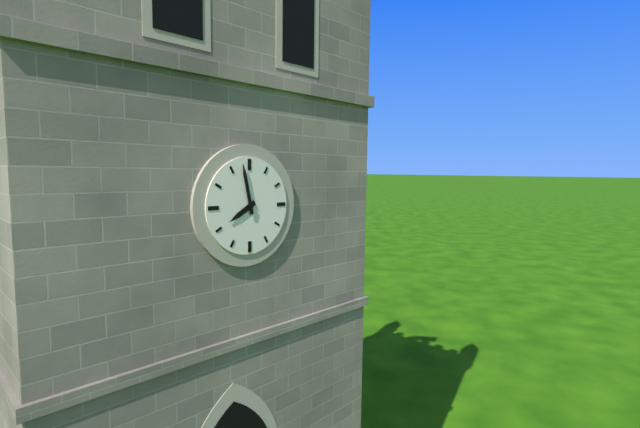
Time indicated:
7h58
